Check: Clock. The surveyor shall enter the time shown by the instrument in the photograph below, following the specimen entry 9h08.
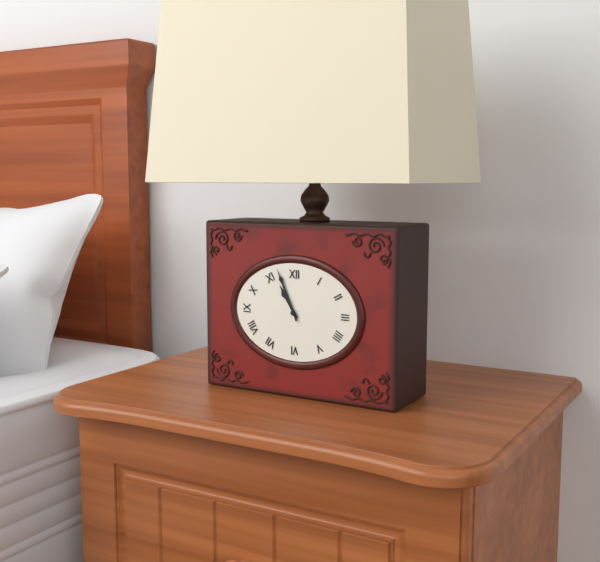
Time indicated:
10h56
